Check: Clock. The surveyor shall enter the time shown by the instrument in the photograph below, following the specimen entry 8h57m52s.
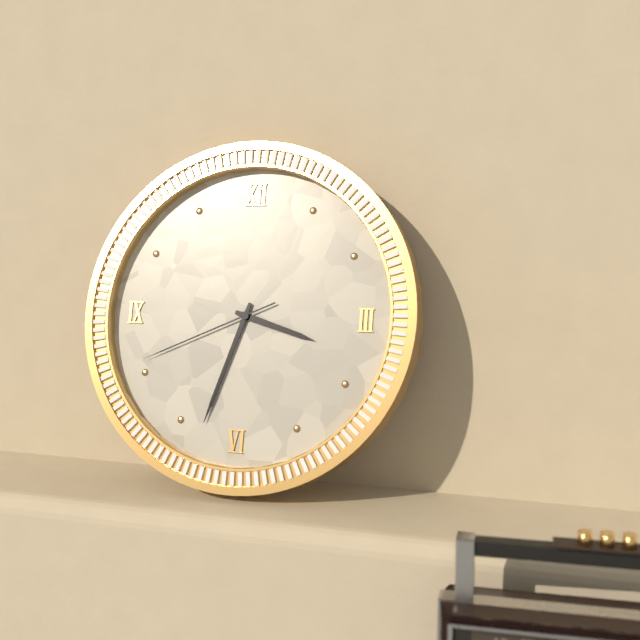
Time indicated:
3h33m41s
